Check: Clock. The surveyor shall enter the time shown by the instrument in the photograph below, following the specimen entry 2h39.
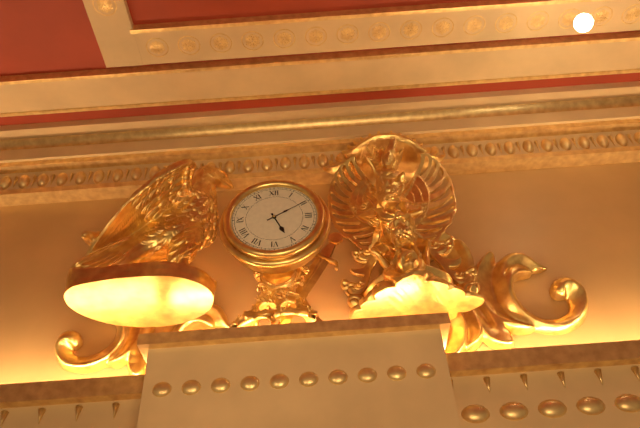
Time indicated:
5h10
